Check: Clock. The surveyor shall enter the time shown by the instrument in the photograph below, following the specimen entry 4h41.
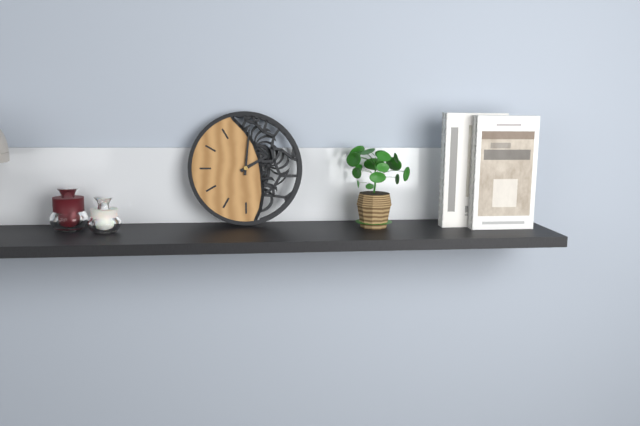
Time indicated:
2h01
